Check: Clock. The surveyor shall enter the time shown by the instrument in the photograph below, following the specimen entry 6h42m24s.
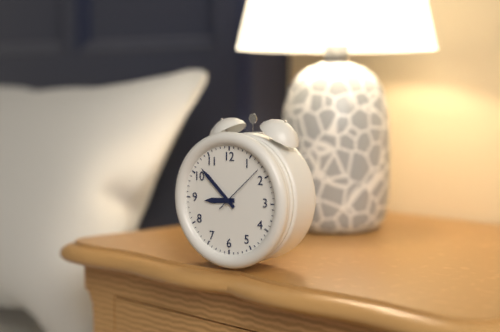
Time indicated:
8h52m08s
